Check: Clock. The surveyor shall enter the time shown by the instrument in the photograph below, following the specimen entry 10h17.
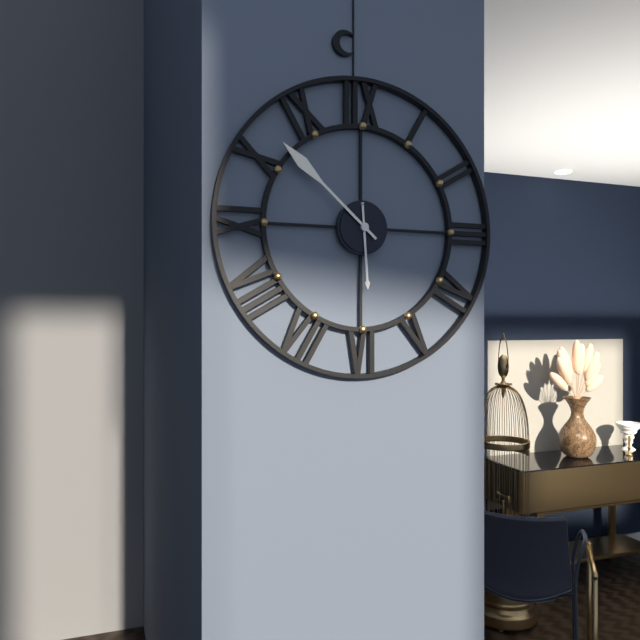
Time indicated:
5h52
